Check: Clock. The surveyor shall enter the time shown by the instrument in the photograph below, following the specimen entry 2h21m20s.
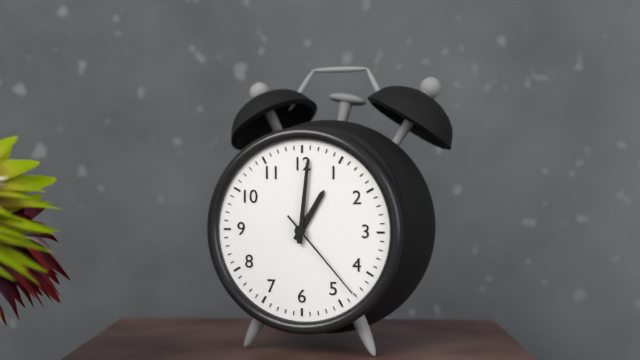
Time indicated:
1h01m23s
